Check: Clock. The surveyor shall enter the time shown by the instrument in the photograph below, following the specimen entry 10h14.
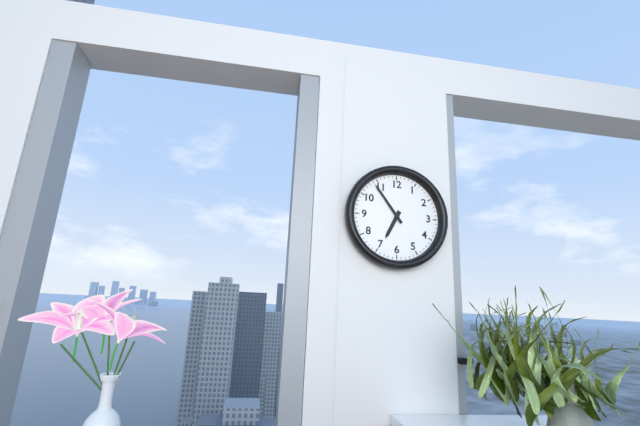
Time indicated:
6h54
